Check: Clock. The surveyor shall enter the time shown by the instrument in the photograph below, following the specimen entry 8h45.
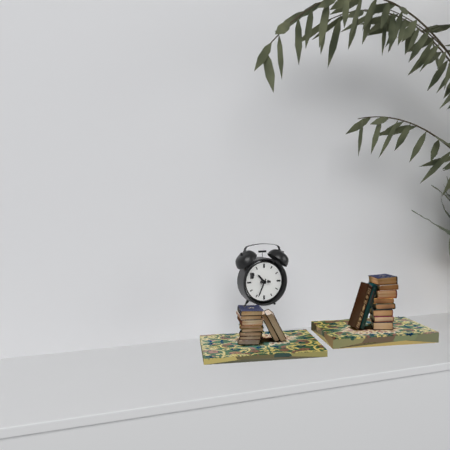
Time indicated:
10h34
